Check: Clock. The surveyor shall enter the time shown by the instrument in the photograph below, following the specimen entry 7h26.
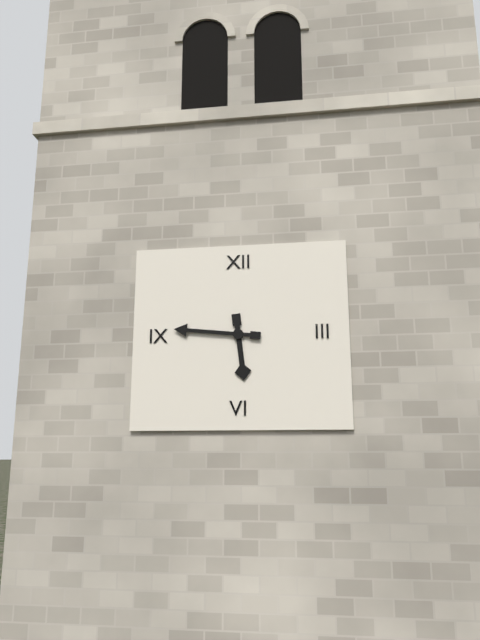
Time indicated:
5h46
